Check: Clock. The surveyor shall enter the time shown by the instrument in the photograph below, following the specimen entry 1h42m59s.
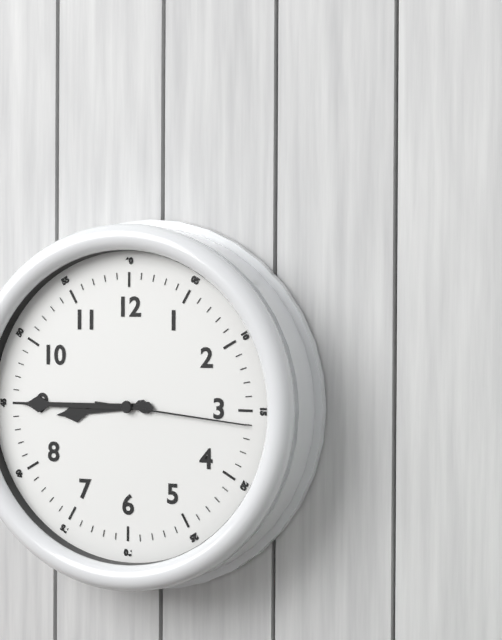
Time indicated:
8h45m16s
